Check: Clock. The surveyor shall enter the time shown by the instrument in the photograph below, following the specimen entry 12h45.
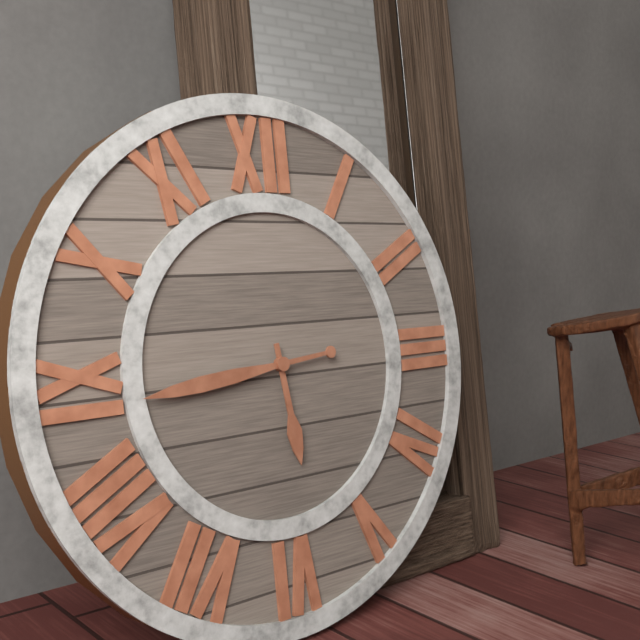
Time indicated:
5h44
